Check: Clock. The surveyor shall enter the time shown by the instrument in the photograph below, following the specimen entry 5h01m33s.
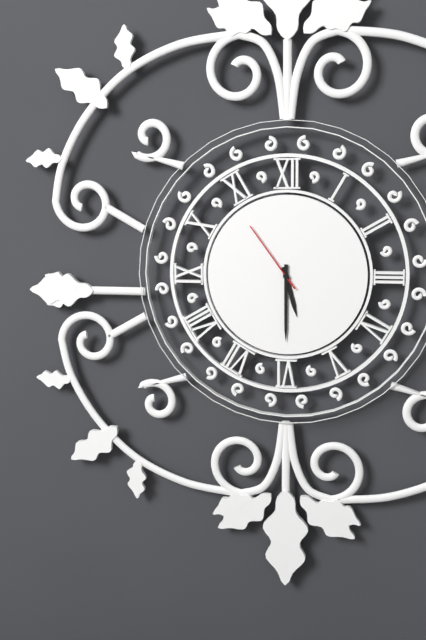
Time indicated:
5h30m54s
